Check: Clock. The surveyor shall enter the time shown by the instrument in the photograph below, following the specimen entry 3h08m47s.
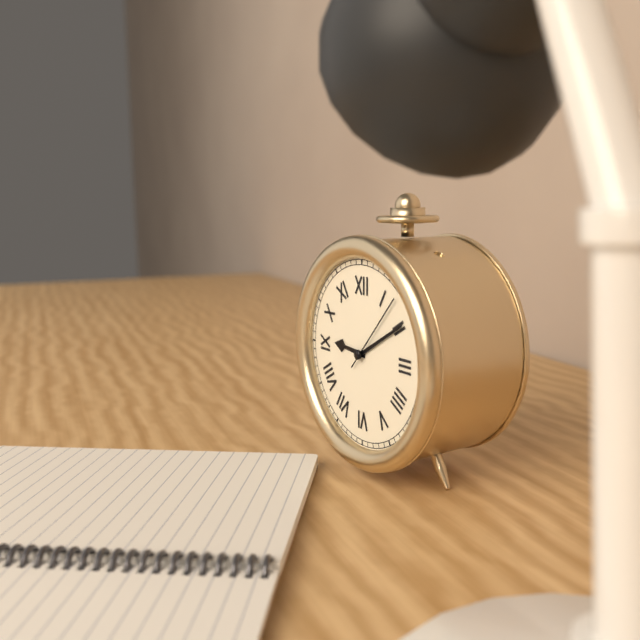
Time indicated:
9h10m07s
